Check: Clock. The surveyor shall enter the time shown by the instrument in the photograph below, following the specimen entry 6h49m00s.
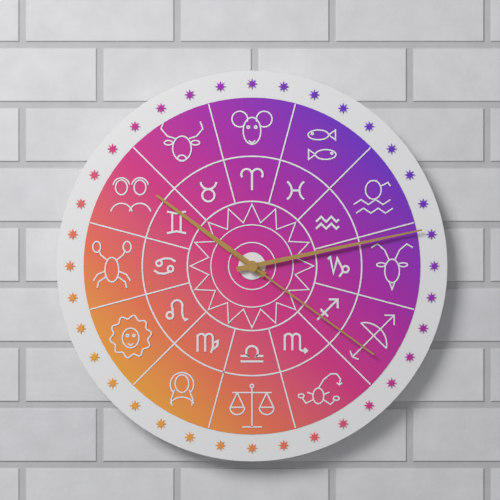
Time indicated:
10h13m21s
